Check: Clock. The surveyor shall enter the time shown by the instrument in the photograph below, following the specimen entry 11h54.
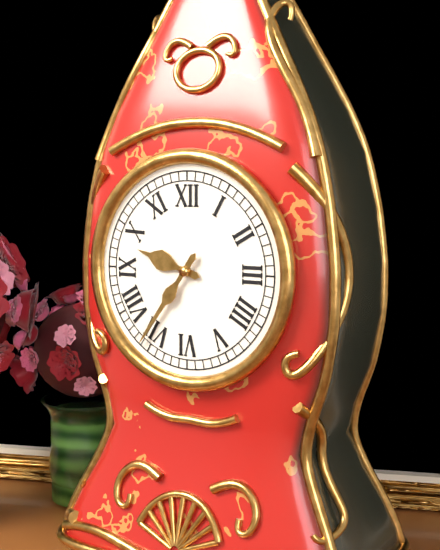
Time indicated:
9h36
